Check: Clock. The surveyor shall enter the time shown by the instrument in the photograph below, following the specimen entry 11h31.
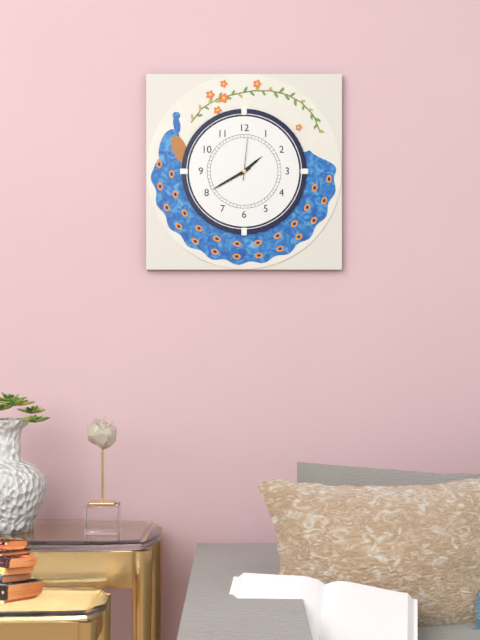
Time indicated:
1h40
